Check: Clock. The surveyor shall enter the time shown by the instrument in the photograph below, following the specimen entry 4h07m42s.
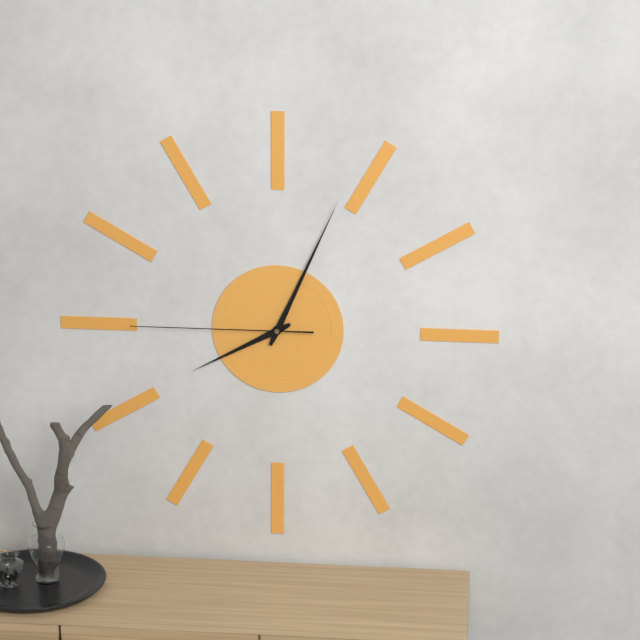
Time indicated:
8h04m45s
